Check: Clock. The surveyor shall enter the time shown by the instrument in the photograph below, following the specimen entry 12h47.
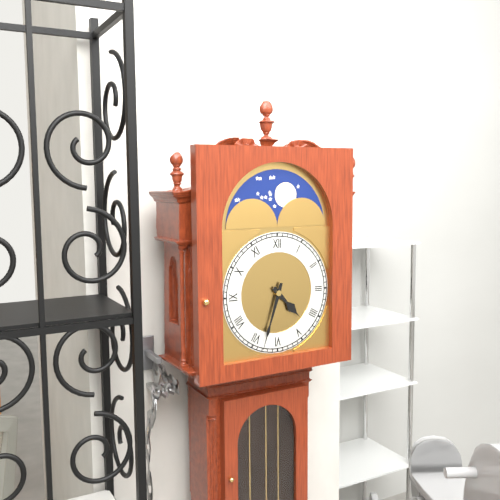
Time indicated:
4h33
